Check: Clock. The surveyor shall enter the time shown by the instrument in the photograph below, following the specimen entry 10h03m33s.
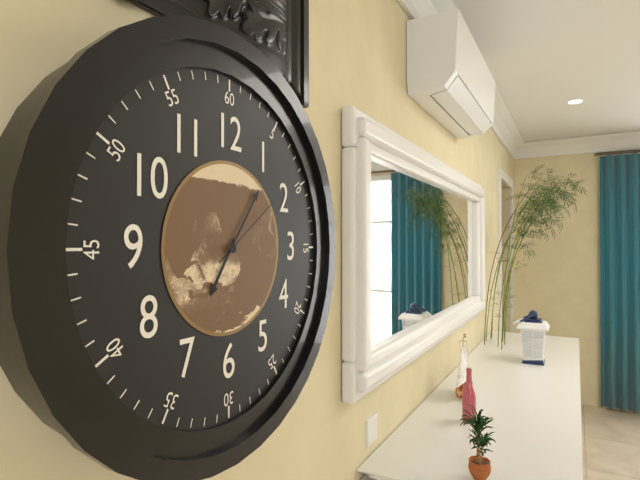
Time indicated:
7h06m09s
